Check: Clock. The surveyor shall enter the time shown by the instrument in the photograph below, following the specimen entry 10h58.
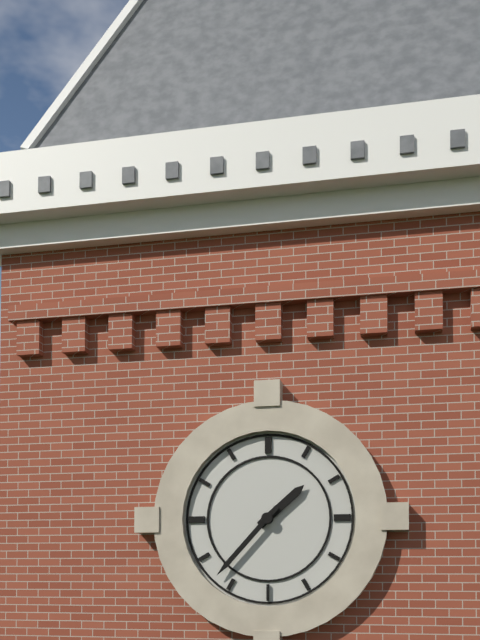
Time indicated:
1h37
